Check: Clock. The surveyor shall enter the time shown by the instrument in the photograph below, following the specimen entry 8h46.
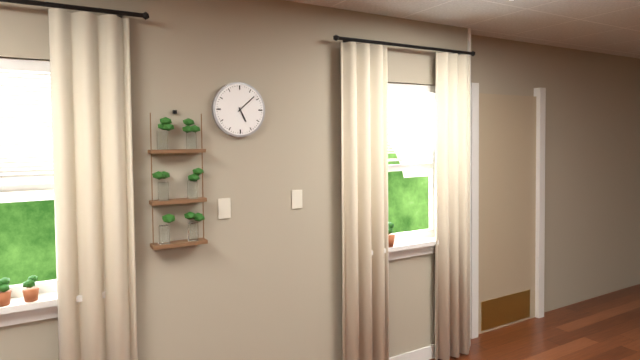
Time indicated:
5h08
